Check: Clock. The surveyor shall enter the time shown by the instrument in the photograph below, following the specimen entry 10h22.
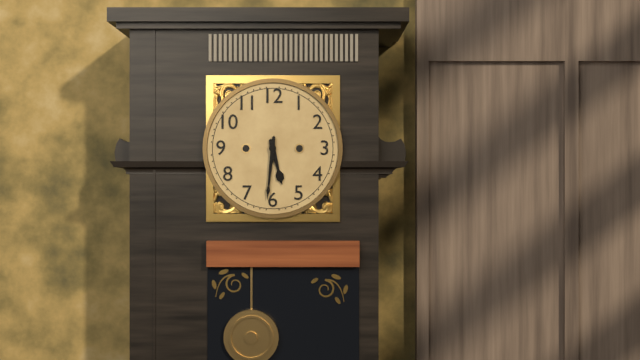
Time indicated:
5h31
